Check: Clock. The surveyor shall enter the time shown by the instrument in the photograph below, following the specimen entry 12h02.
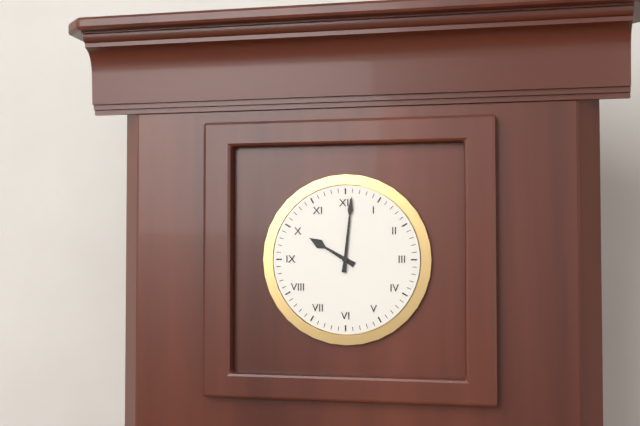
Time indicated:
10h01
